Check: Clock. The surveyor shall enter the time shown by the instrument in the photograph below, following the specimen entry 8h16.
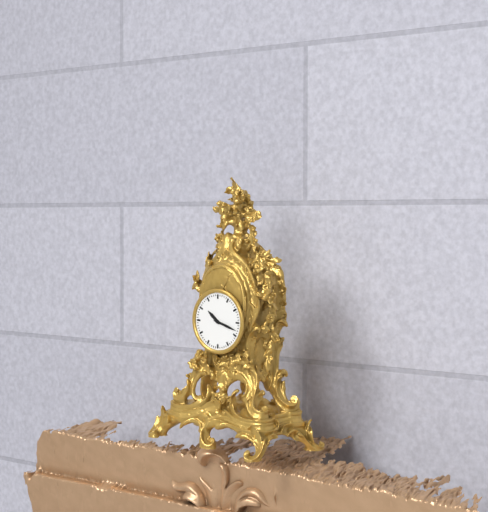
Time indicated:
10h18
